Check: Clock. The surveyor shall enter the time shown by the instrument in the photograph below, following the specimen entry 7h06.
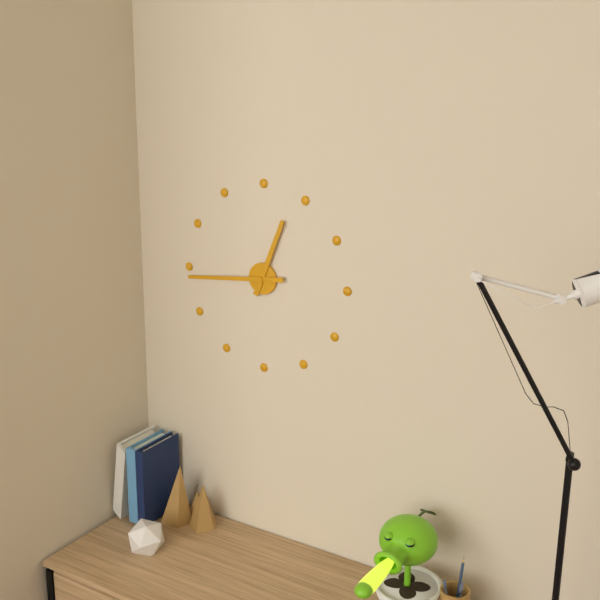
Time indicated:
12h44
